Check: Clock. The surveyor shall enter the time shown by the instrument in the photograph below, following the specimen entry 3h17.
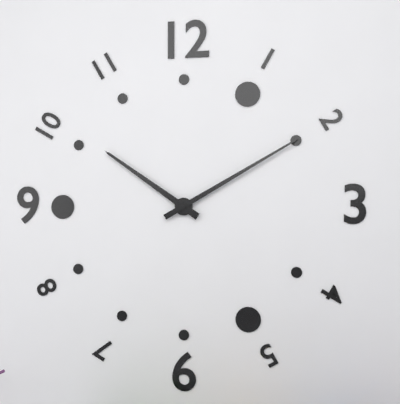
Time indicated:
10h10
